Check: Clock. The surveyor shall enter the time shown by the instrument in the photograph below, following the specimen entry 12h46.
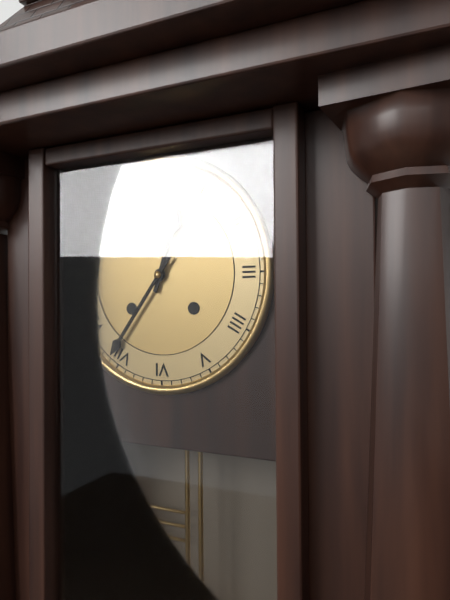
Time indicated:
12h36
